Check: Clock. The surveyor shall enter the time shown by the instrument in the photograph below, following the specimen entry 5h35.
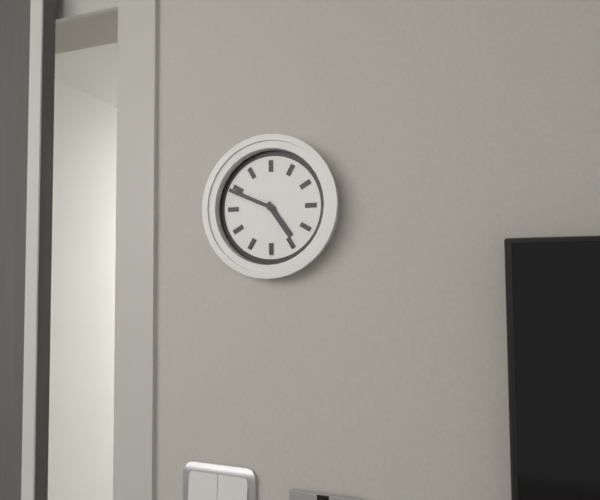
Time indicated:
4h49
